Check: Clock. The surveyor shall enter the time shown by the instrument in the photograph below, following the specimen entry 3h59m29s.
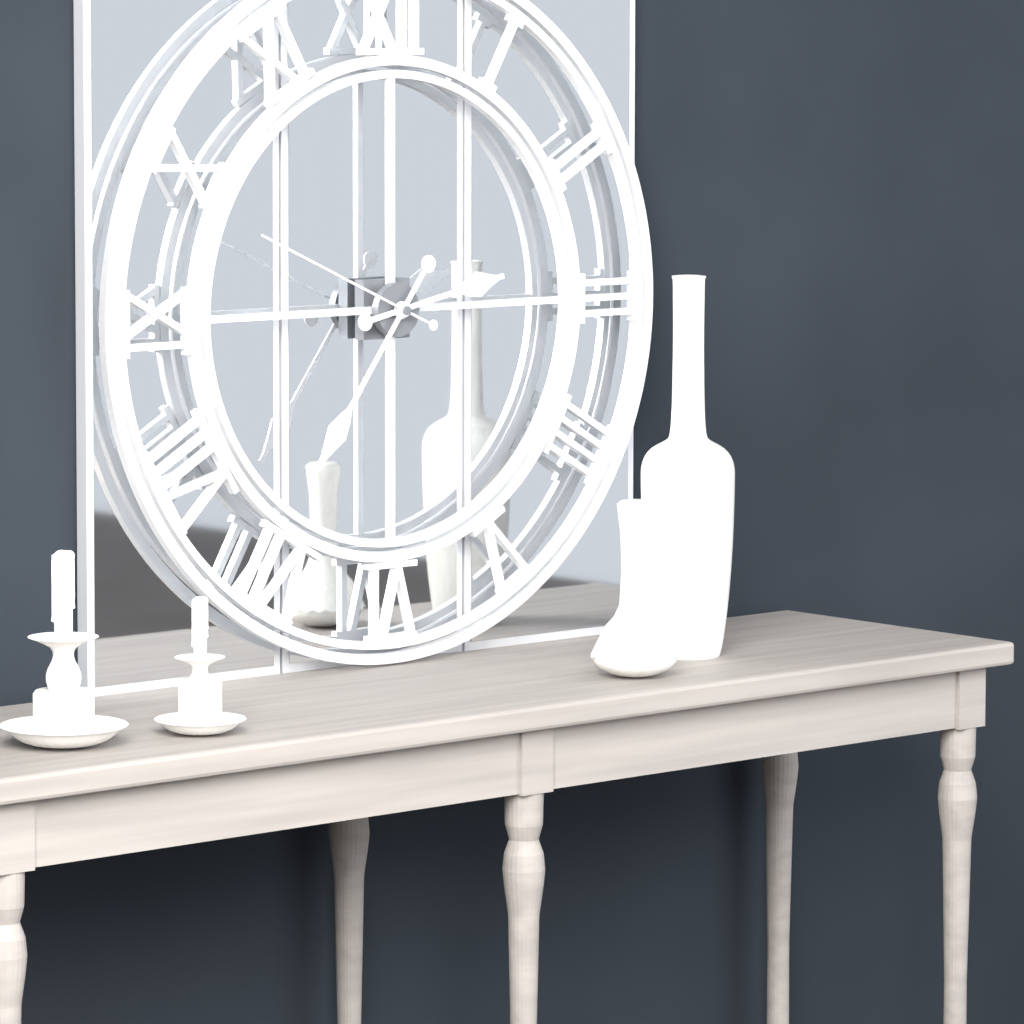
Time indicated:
2h36m49s
